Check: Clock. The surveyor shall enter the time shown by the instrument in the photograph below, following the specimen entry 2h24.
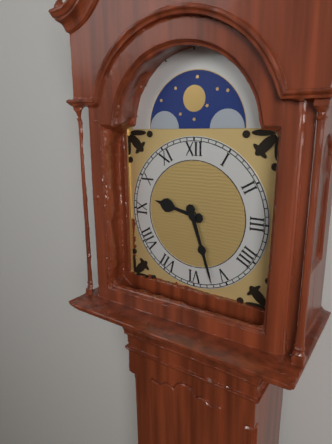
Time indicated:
9h27
